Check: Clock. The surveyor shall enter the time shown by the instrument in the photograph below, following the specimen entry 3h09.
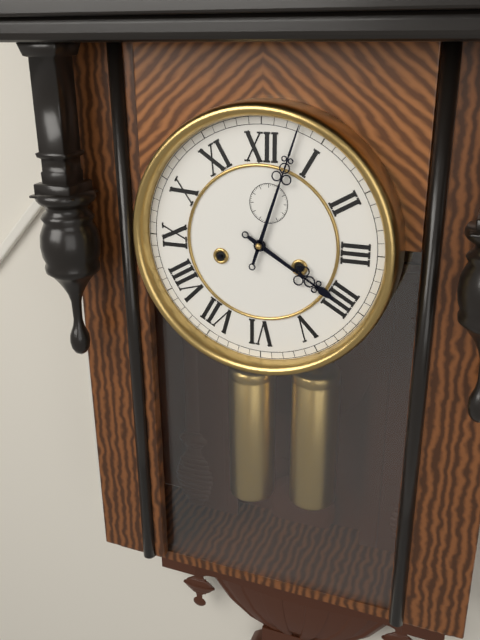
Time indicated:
4h03
